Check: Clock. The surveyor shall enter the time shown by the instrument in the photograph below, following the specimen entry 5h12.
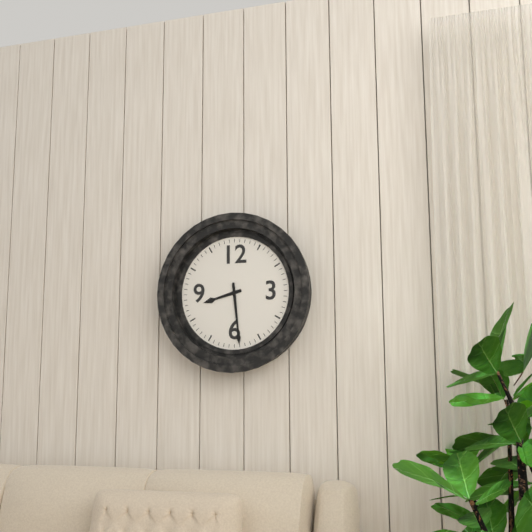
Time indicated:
8h29
